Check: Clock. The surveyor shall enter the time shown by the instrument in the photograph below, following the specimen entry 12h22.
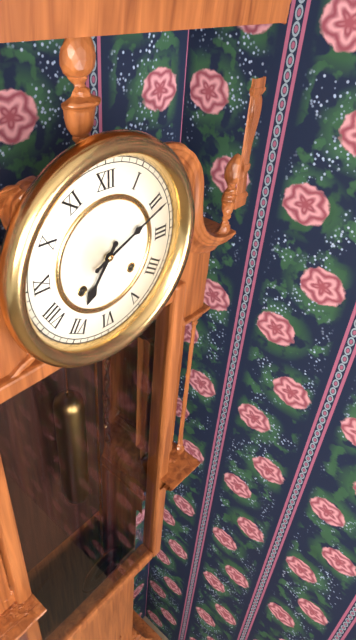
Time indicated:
7h11
